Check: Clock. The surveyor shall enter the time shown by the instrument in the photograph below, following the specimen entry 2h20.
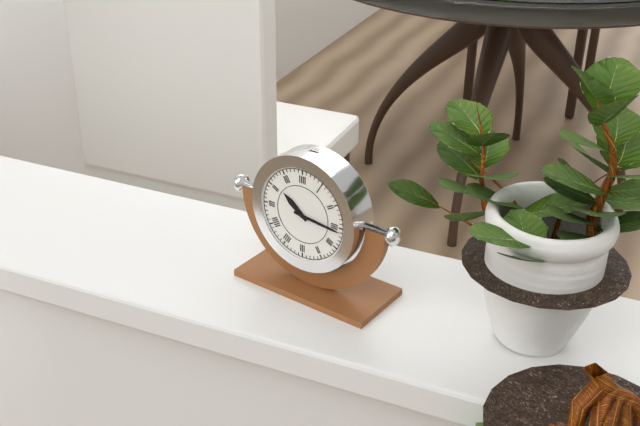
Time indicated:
10h16
